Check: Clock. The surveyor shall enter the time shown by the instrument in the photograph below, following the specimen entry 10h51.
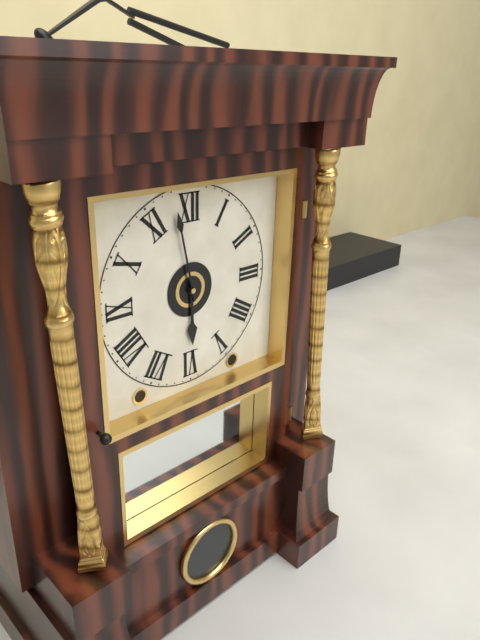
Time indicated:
5h58
